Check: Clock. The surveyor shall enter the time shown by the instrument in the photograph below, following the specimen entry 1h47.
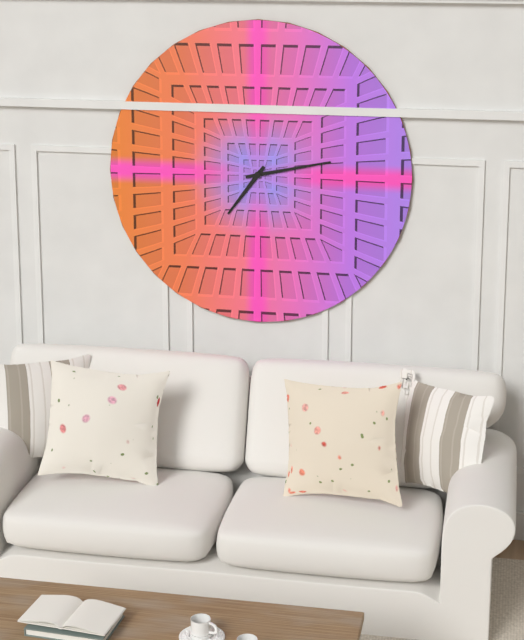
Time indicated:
7h13
